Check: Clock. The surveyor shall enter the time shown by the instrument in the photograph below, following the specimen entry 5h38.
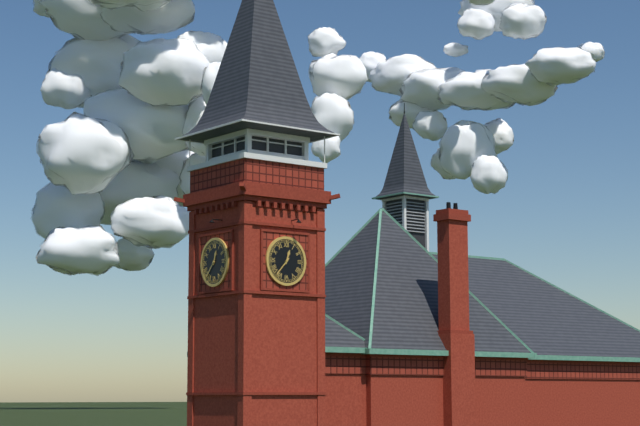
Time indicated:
12h37
